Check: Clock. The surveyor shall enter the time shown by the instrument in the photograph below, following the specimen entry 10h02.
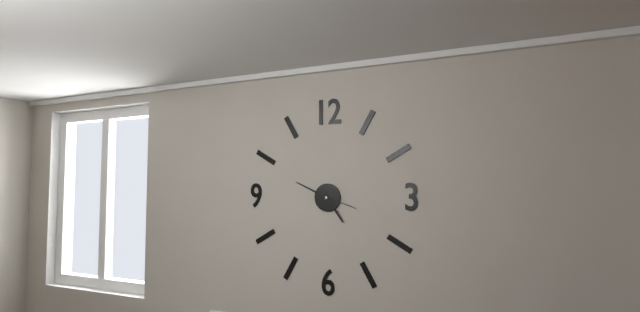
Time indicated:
4h49
